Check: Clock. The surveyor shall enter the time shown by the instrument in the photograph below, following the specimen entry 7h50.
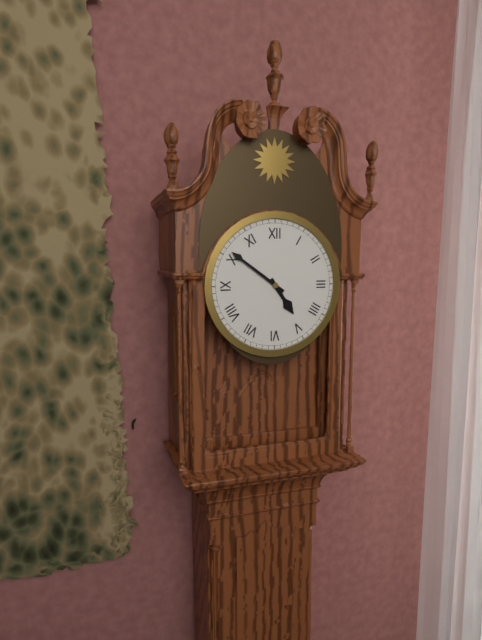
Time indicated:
4h51
